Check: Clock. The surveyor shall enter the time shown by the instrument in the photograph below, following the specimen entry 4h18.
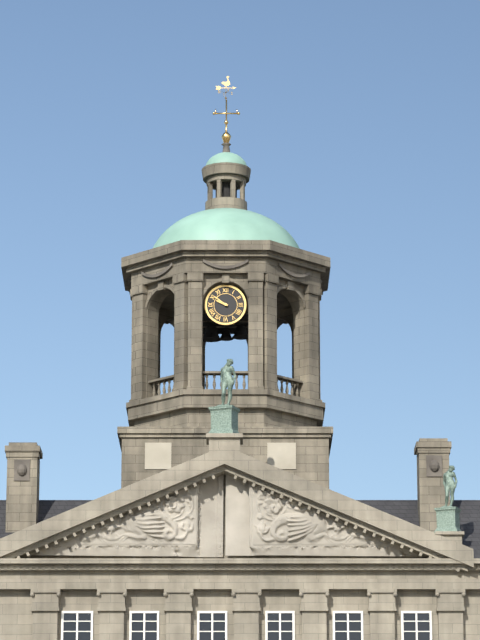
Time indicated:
9h51
